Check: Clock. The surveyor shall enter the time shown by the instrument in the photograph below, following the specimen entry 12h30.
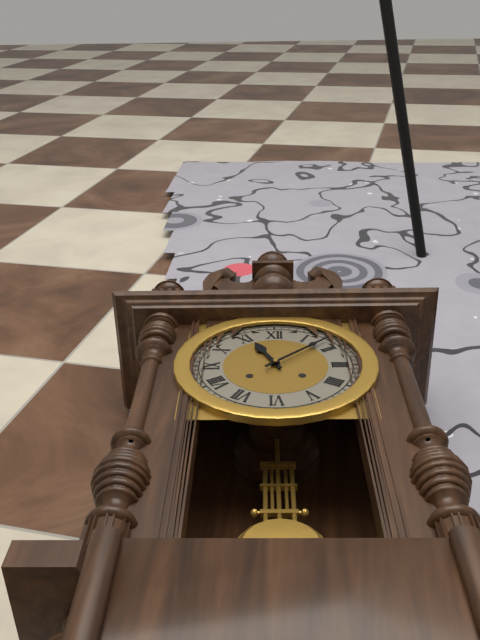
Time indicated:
11h08
